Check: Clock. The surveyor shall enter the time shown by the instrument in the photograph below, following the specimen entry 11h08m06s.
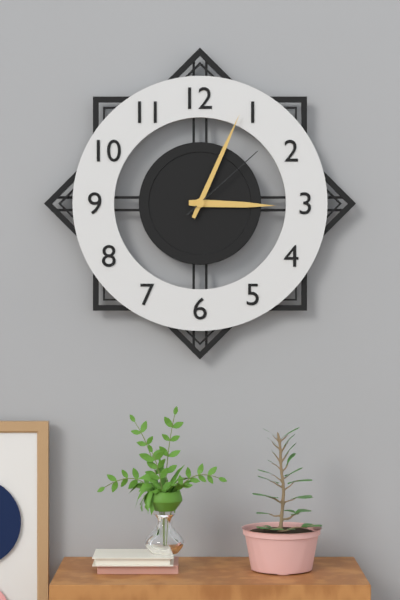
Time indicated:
3h04m08s
